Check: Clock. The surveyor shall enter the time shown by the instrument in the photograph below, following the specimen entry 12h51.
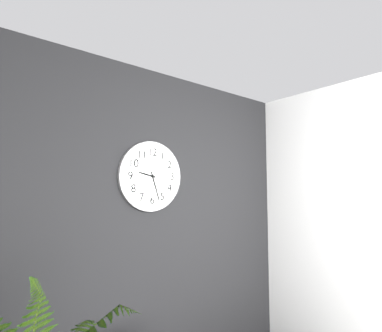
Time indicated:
9h27
